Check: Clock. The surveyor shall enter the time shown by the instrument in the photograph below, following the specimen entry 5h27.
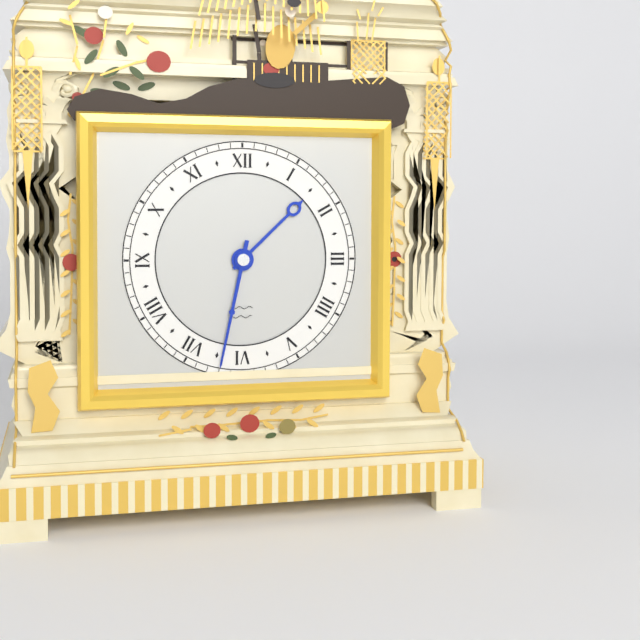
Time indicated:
1h32
